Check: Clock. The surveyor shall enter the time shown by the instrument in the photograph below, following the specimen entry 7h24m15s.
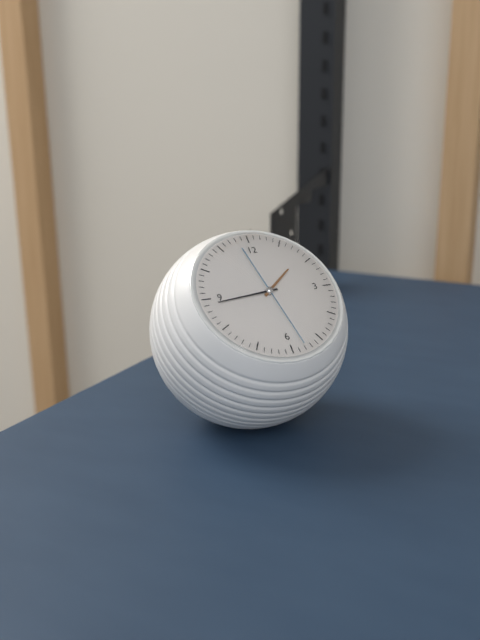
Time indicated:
1h44m28s
